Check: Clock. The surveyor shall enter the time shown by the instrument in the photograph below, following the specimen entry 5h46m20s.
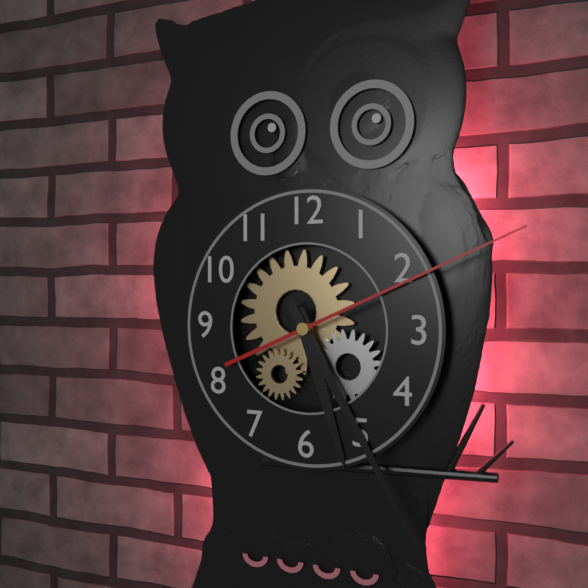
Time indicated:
5h25m11s
